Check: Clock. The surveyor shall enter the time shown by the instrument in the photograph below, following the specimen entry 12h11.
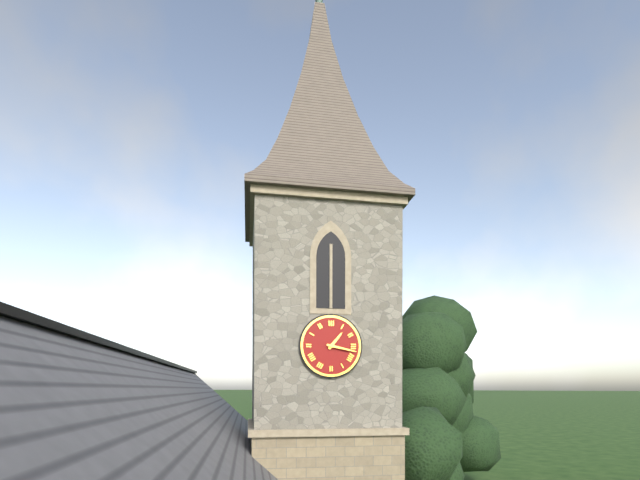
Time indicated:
1h17
